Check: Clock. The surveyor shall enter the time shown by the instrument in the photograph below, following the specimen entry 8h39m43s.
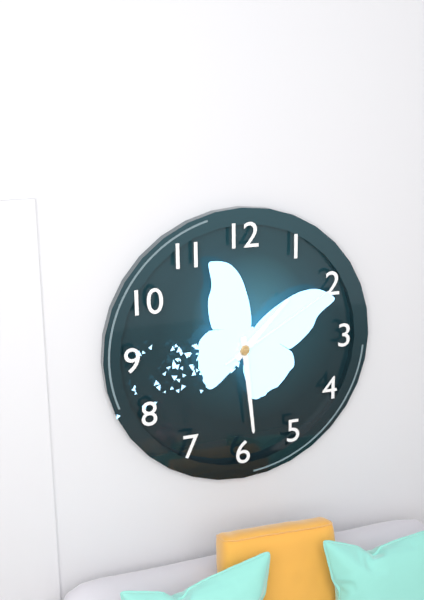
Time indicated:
1h29m10s
